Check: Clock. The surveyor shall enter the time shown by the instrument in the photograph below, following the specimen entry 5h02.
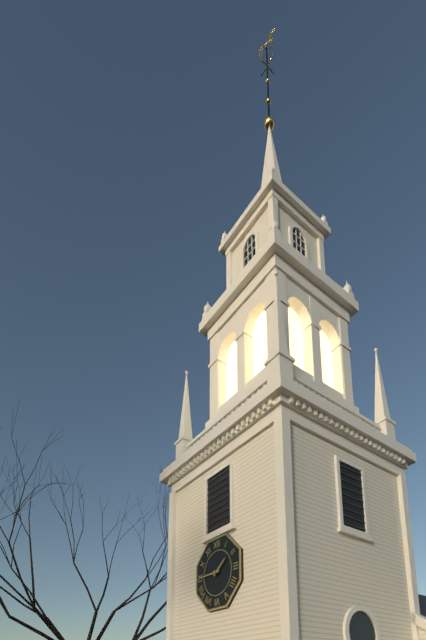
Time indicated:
1h45
